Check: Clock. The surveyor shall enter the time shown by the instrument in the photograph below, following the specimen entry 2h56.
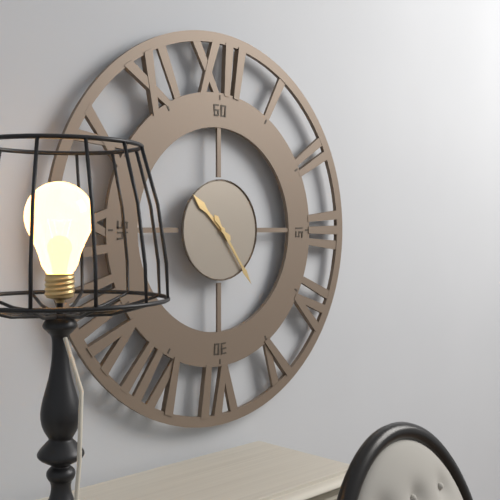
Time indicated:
10h24
